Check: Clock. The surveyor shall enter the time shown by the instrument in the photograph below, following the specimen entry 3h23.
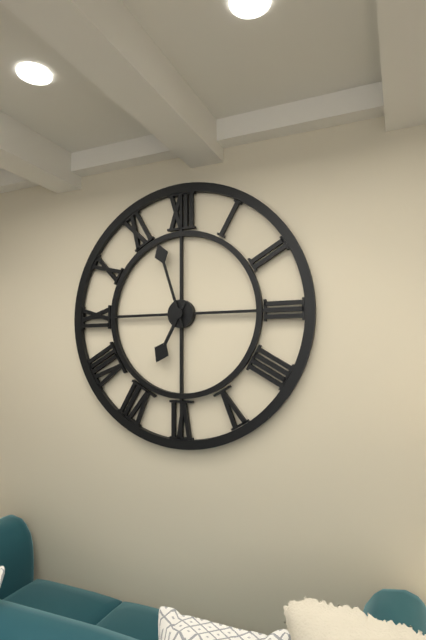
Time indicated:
6h57
